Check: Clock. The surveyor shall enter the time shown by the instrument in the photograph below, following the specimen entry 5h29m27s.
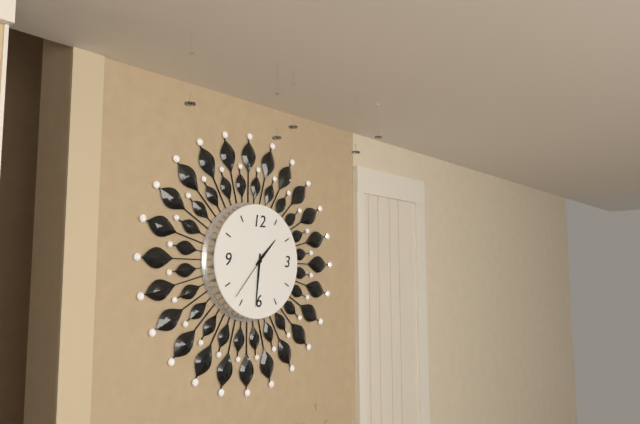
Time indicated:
1h31m37s
